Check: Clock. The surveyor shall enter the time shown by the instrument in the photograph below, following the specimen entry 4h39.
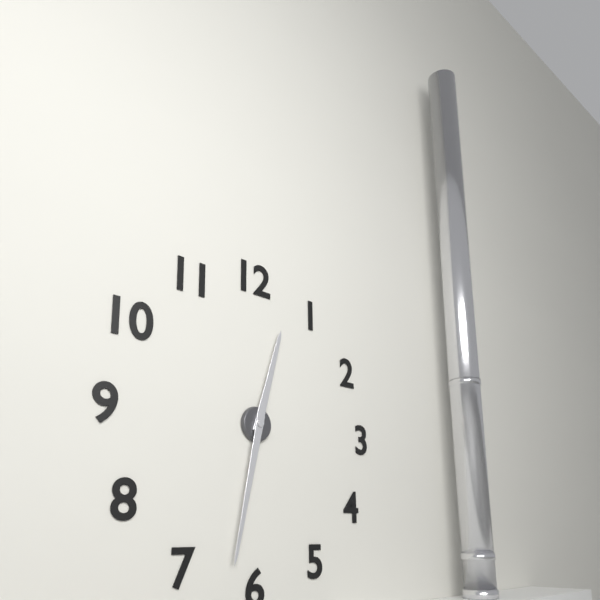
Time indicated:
12h32
